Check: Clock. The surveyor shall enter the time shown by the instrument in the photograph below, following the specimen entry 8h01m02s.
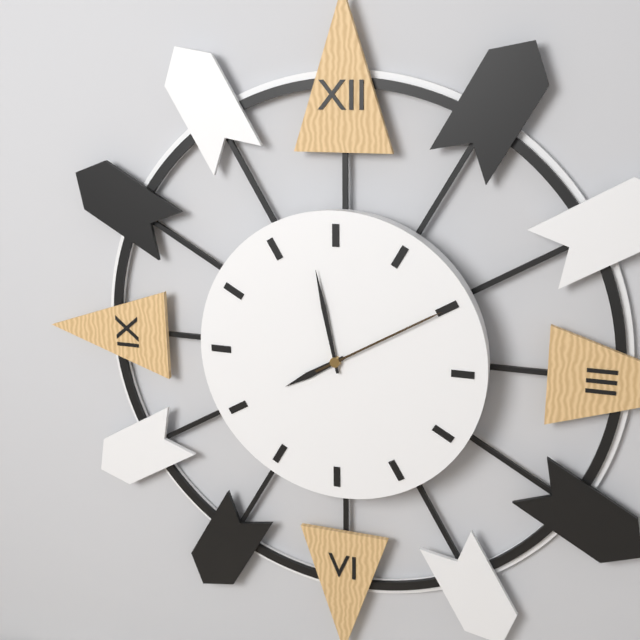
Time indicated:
7h58m10s
